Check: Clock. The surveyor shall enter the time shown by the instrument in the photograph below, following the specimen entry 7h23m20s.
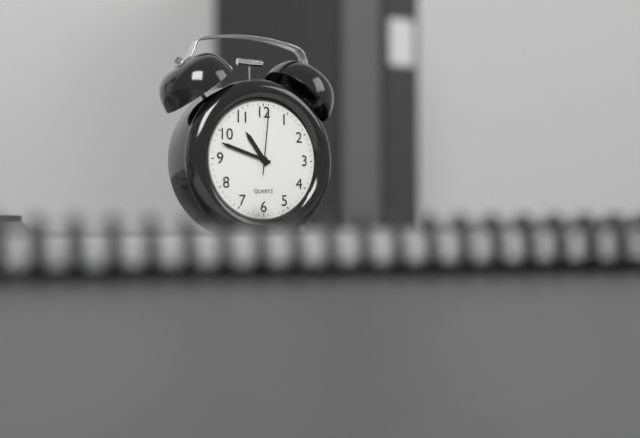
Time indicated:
10h48m01s
